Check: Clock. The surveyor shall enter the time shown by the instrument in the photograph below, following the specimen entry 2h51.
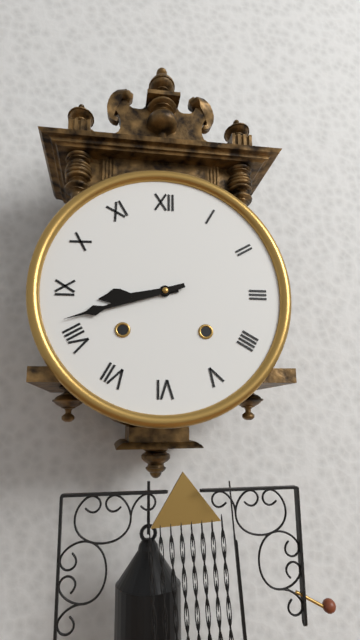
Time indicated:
8h42
